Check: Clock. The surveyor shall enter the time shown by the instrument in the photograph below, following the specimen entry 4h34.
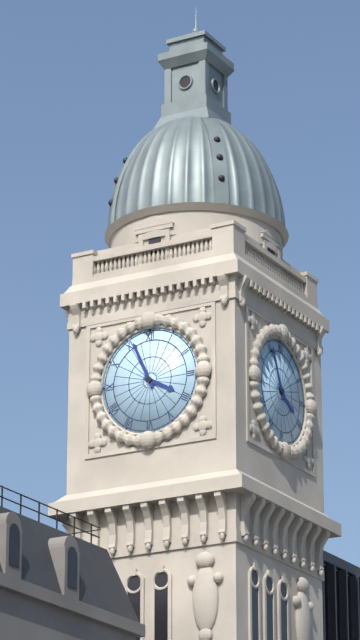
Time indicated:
3h56
